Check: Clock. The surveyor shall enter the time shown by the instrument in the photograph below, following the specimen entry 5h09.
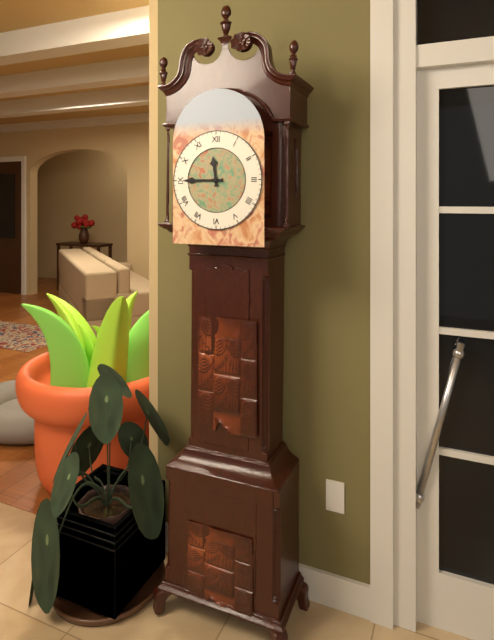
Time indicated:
11h45
